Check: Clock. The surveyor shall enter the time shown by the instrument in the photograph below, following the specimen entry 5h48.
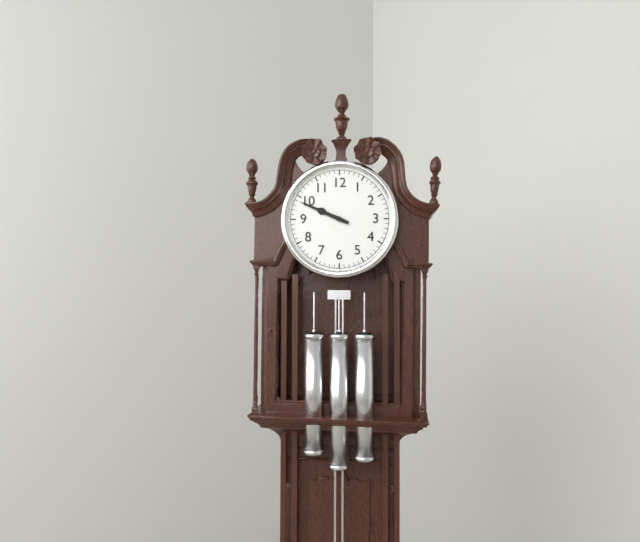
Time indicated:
9h49
